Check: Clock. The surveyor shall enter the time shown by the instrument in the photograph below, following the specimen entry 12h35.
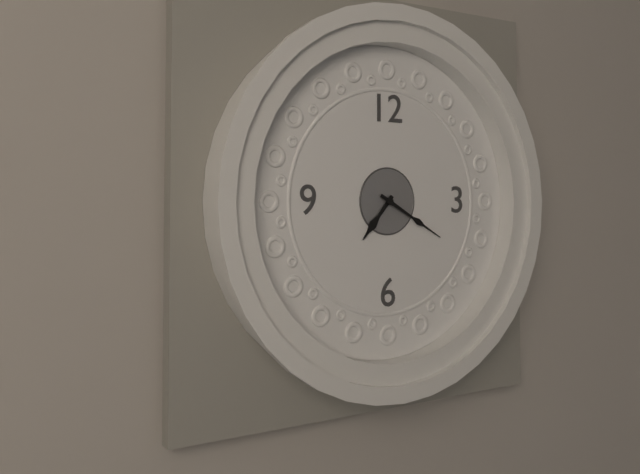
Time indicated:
7h20
